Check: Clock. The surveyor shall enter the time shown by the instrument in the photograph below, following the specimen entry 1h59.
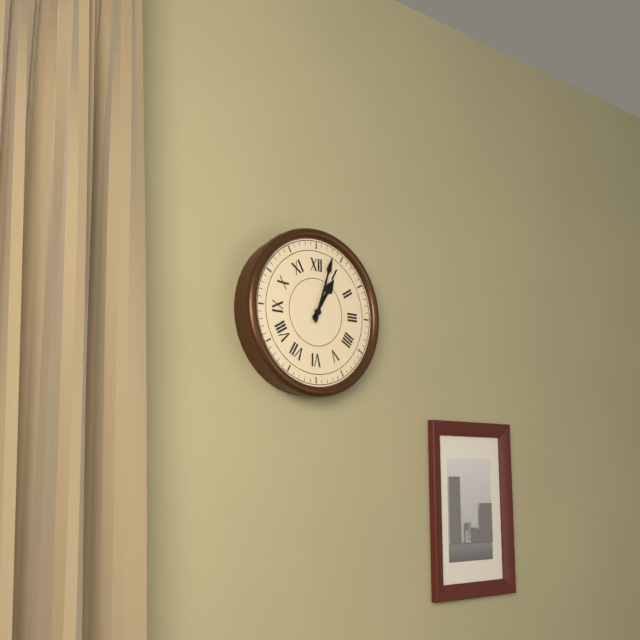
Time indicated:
1h03
